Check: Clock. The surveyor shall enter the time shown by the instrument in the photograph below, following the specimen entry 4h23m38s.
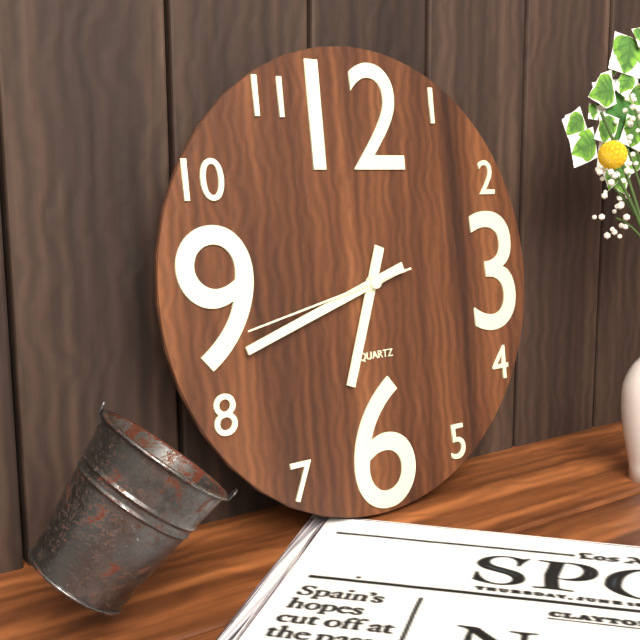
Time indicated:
6h42m43s
